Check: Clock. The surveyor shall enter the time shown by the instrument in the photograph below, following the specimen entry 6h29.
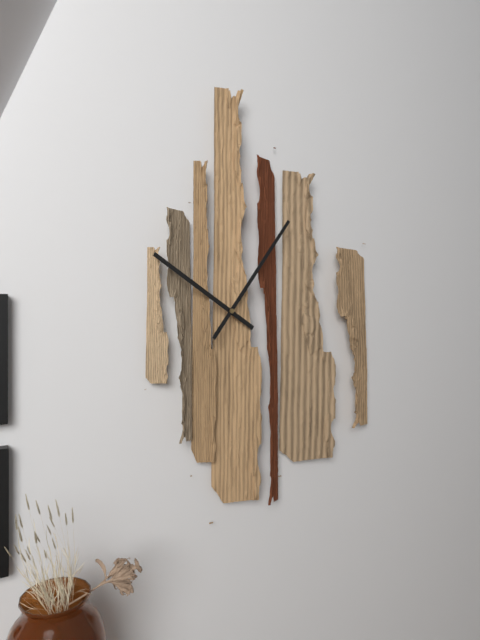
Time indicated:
10h06
